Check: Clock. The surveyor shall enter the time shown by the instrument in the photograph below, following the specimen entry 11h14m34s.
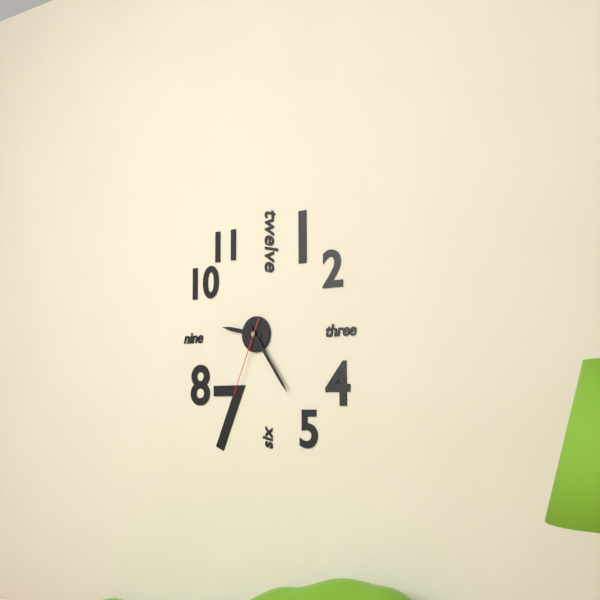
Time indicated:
9h24m34s
